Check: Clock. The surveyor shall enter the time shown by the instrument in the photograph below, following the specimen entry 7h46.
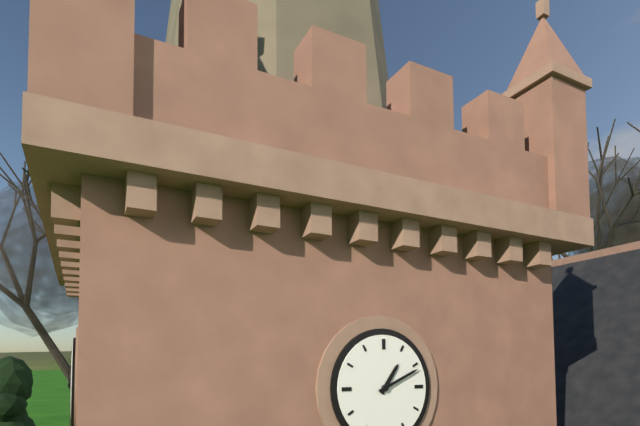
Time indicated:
1h11
